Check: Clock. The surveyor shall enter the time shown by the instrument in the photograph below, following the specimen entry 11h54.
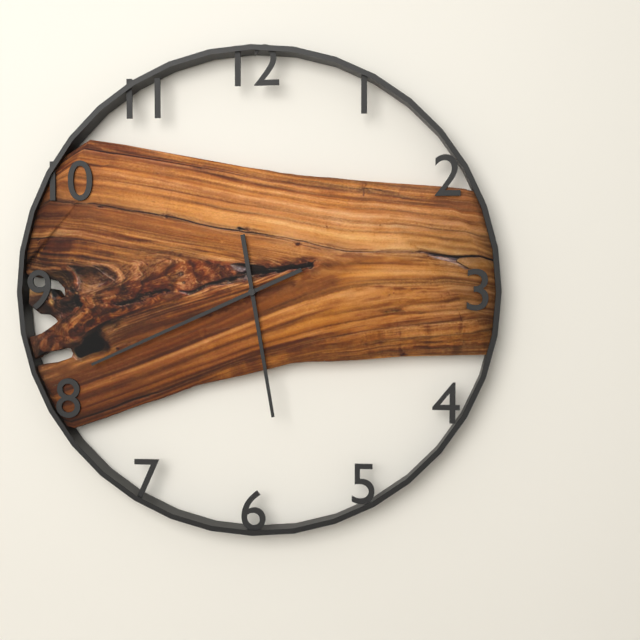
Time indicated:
5h41
